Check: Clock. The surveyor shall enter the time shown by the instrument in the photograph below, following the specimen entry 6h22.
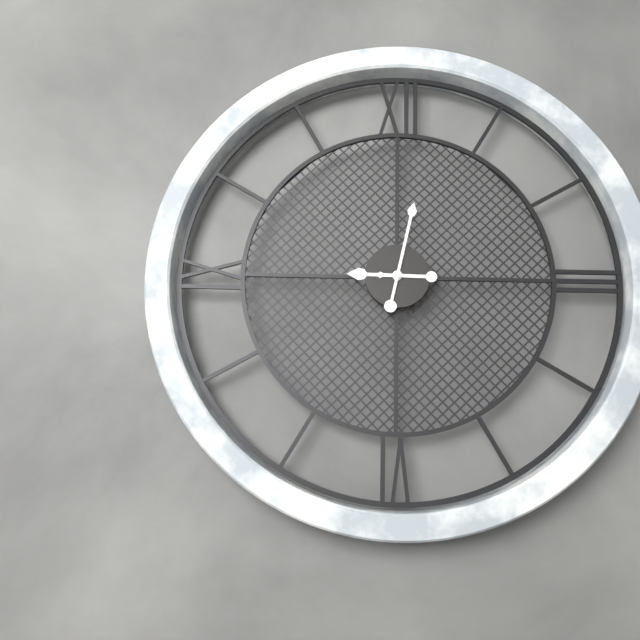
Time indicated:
9h02
